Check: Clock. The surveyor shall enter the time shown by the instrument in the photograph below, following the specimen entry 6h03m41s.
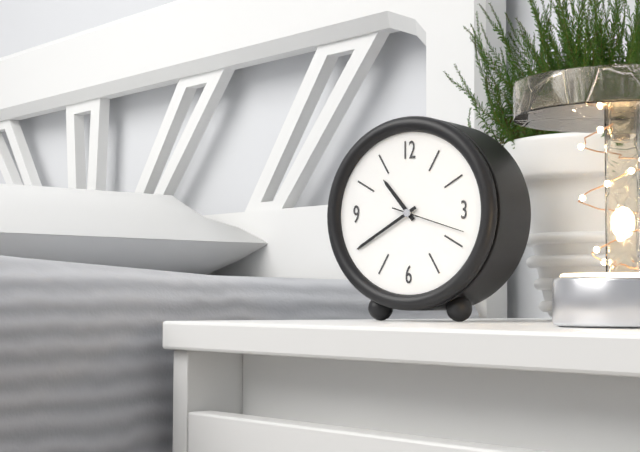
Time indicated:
10h40m18s
